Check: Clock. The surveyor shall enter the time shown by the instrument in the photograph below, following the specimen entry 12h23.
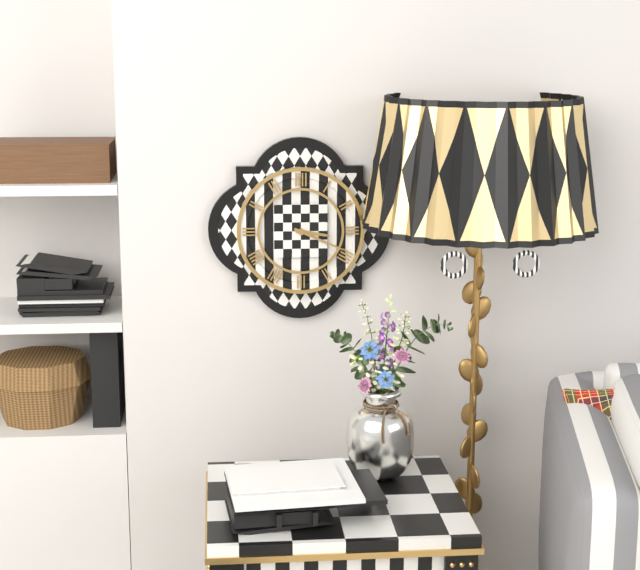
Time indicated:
3h19
